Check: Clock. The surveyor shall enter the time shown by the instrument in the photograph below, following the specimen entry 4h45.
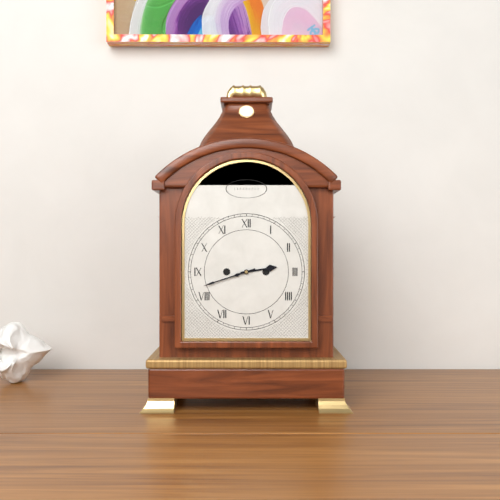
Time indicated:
2h42
